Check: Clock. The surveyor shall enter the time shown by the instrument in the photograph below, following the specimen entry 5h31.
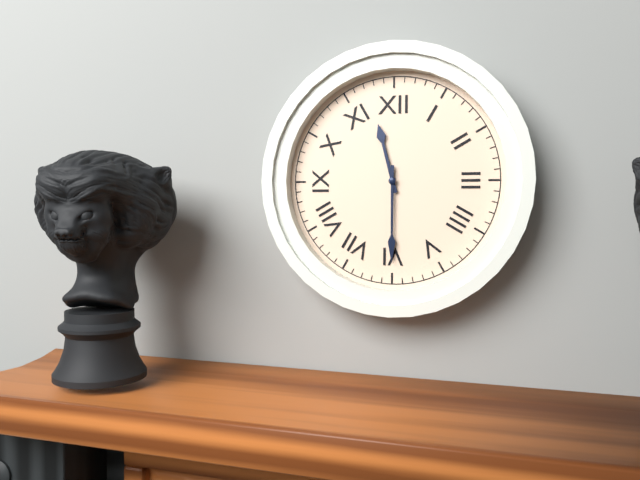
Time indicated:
11h30
